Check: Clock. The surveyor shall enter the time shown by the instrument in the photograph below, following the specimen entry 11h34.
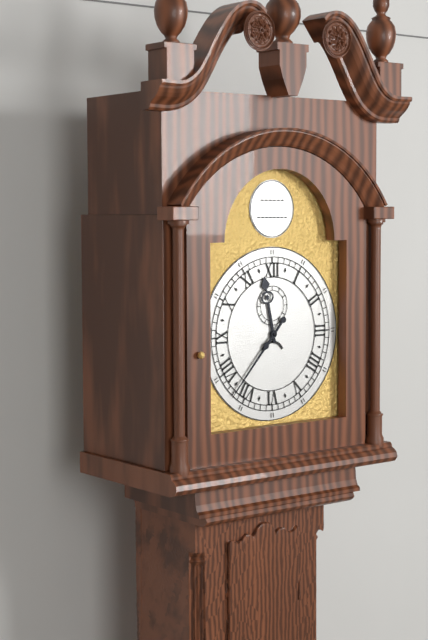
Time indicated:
11h37
